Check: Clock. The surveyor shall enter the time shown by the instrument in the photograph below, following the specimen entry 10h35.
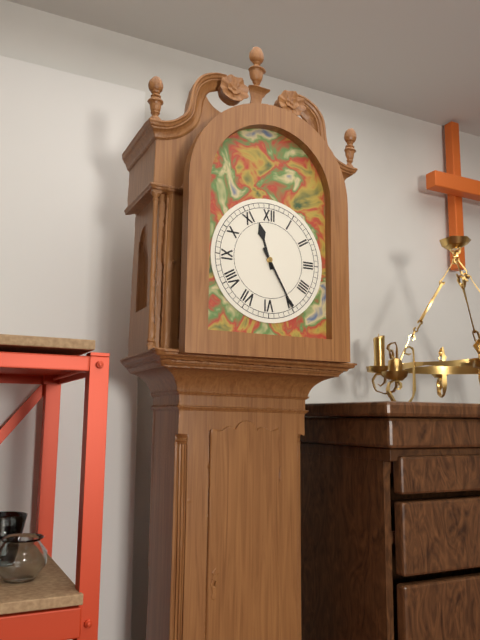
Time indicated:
11h25
